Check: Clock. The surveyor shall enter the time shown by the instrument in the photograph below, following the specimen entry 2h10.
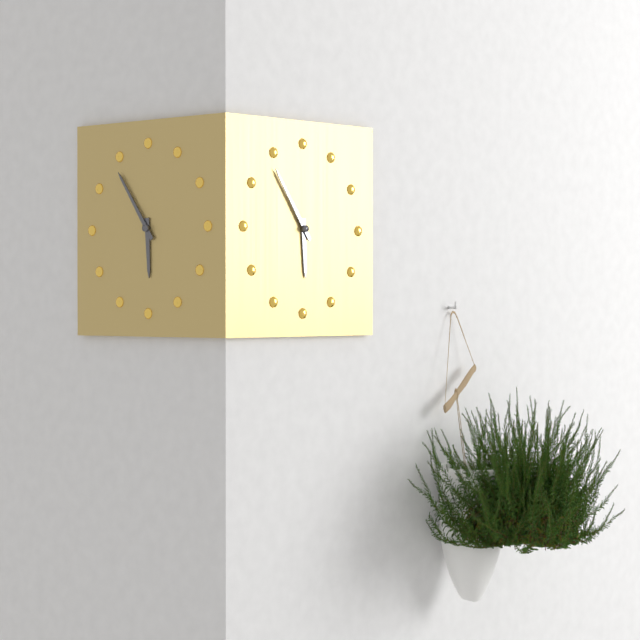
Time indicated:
5h54
